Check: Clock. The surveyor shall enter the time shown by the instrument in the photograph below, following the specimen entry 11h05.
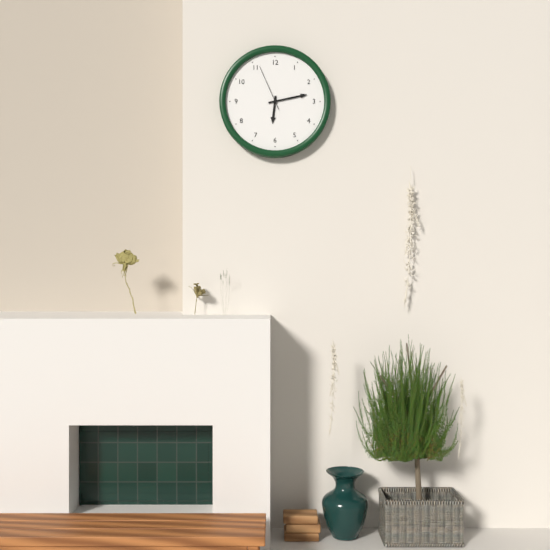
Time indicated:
6h13
